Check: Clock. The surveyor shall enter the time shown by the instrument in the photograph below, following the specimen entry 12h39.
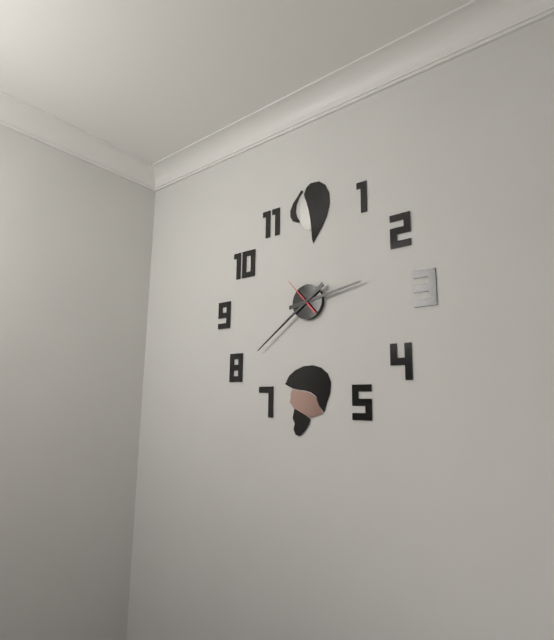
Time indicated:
2h39
